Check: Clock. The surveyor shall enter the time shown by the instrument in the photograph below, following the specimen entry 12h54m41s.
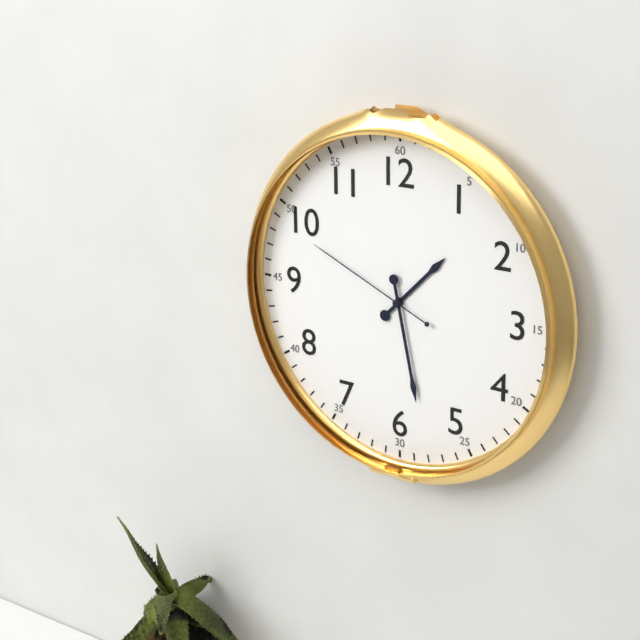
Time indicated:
1h28m49s
